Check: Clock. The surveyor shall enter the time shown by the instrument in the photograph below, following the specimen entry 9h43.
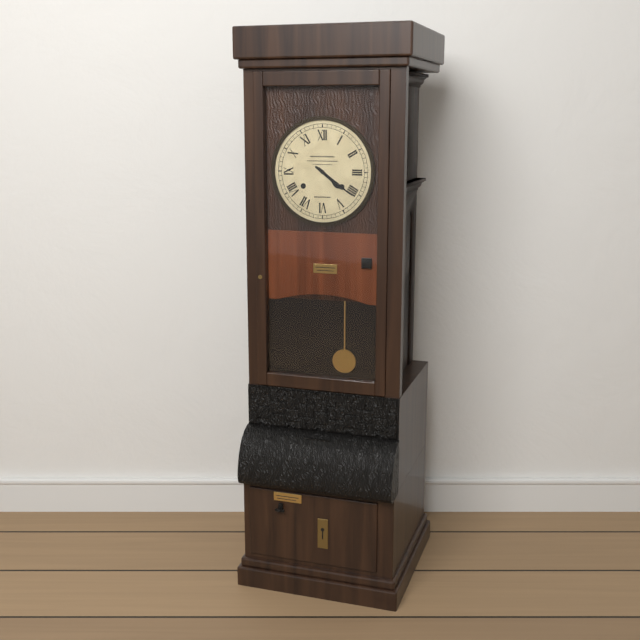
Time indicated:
4h21
